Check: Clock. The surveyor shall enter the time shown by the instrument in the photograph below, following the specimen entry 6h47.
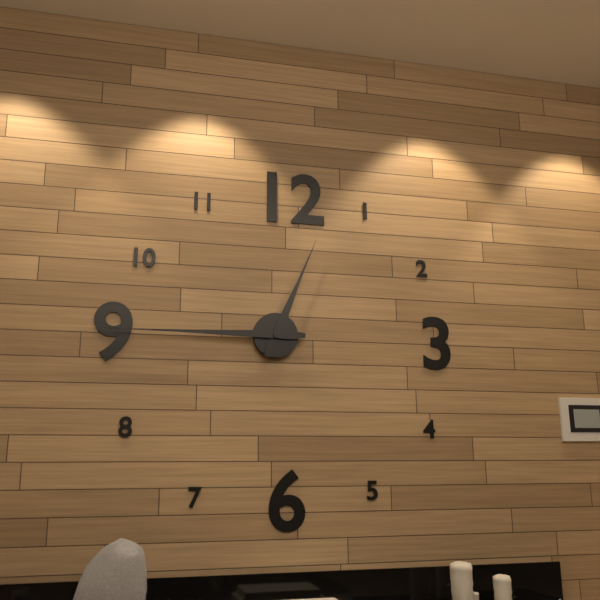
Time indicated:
12h45
